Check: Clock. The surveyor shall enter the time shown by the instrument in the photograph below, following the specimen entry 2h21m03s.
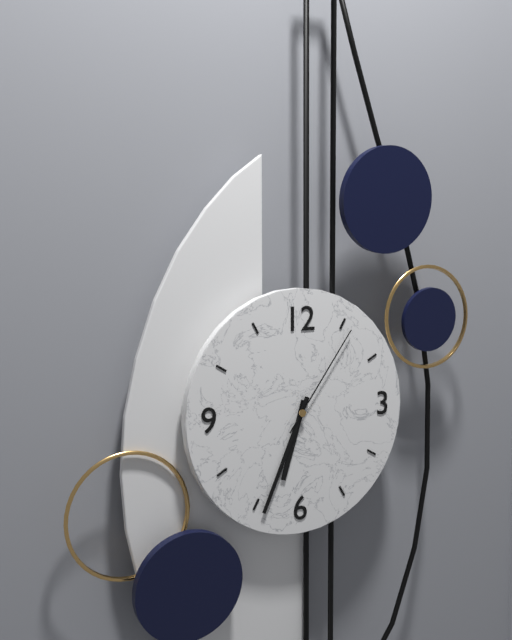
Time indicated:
6h34m06s
